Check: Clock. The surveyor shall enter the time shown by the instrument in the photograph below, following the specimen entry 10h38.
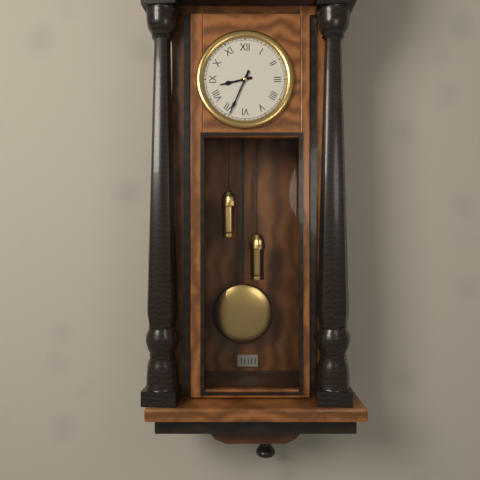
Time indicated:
8h34
